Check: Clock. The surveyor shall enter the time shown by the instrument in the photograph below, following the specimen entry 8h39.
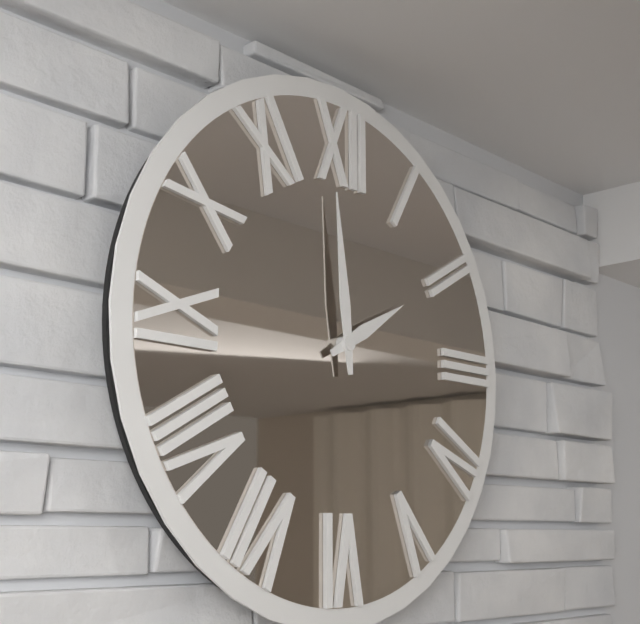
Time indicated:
1h59
